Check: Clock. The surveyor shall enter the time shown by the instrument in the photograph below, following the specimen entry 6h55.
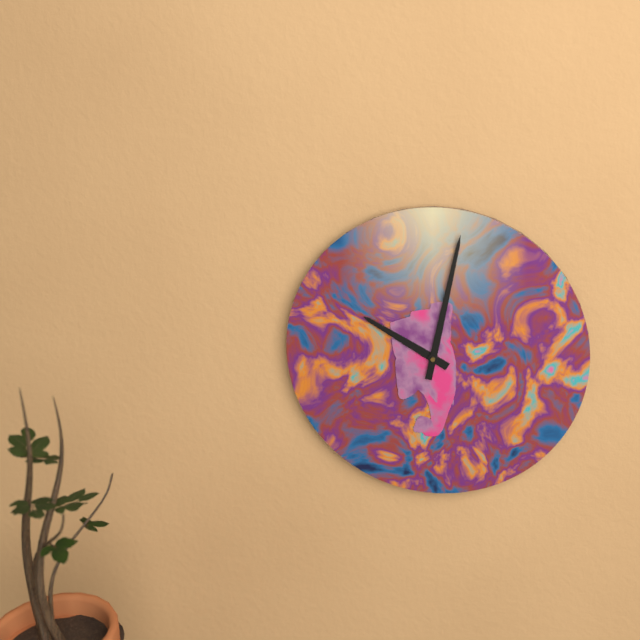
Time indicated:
10h02
